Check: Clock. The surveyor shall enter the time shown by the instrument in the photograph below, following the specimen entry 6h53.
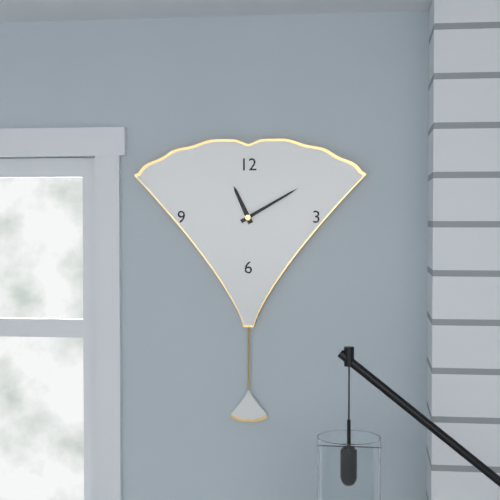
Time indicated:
11h10
